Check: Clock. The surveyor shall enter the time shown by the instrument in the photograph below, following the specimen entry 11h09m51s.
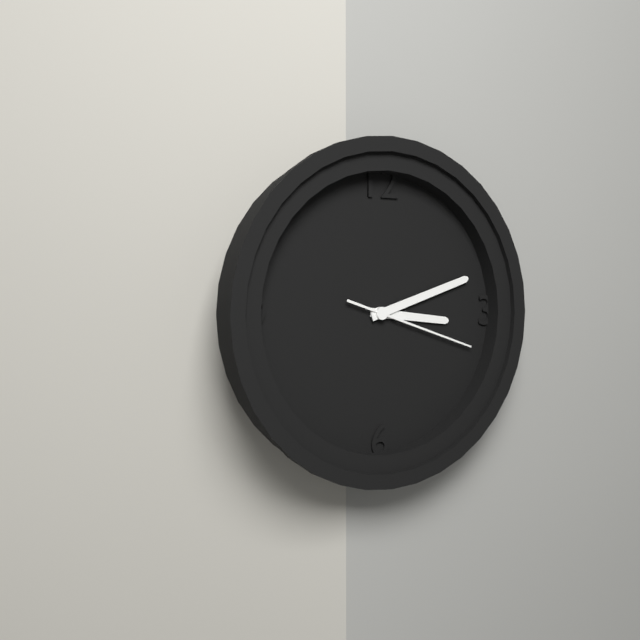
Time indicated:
3h12m18s
